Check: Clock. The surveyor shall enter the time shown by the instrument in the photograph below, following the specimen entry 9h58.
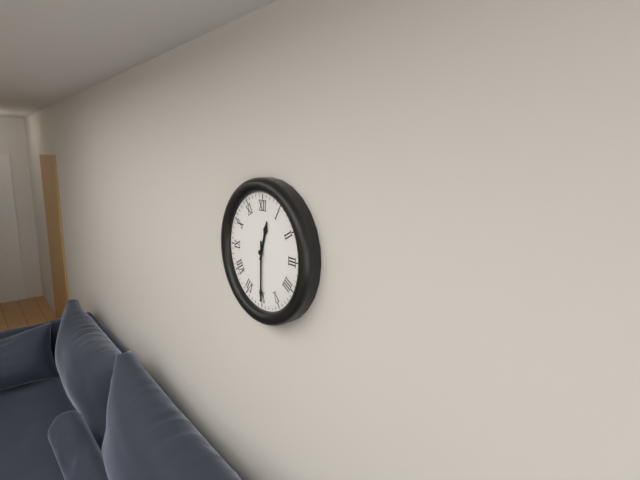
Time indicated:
12h30
